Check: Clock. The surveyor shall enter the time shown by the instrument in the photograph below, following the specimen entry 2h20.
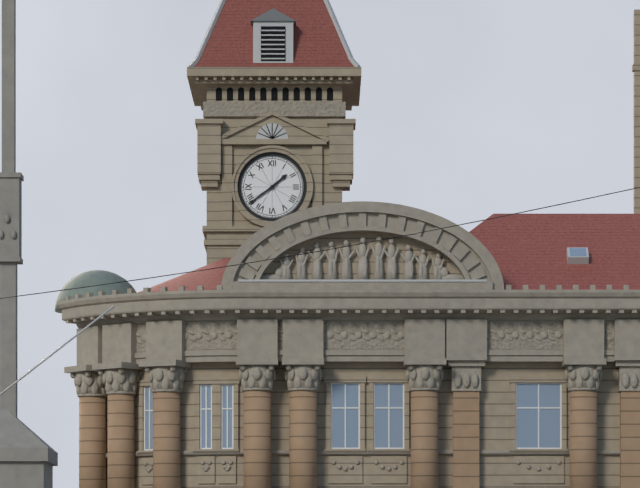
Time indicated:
1h39
